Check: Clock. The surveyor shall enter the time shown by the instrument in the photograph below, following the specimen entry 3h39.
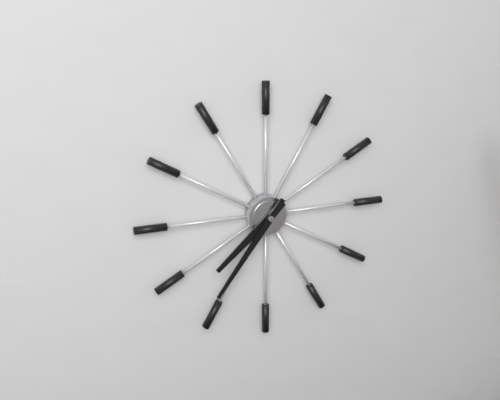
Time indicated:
7h36
